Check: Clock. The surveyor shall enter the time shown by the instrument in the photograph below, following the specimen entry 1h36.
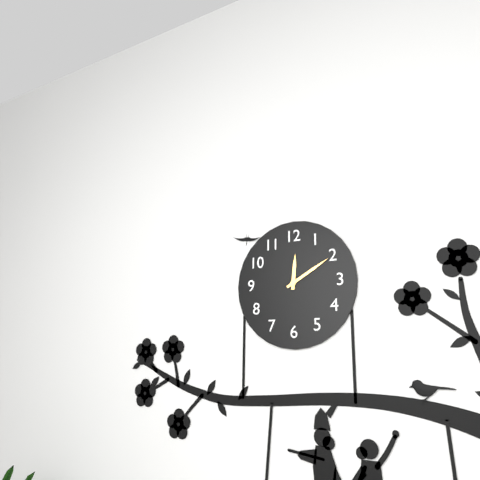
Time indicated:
12h10
